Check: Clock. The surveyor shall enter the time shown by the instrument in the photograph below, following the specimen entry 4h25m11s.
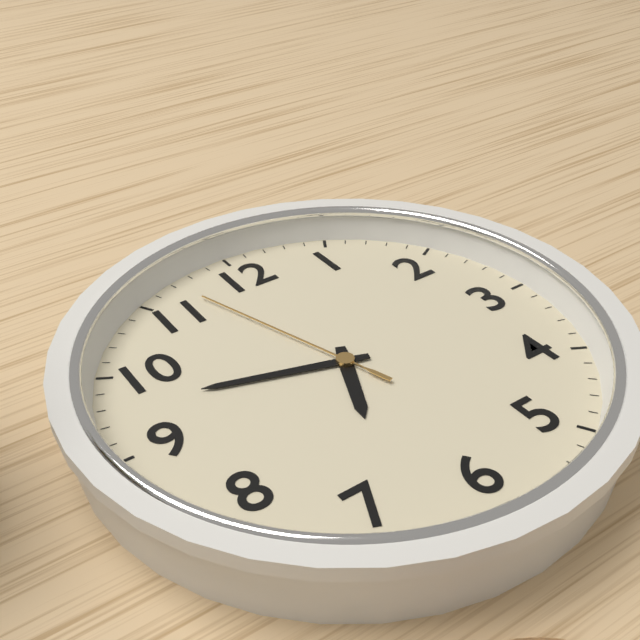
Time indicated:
6h48m57s
